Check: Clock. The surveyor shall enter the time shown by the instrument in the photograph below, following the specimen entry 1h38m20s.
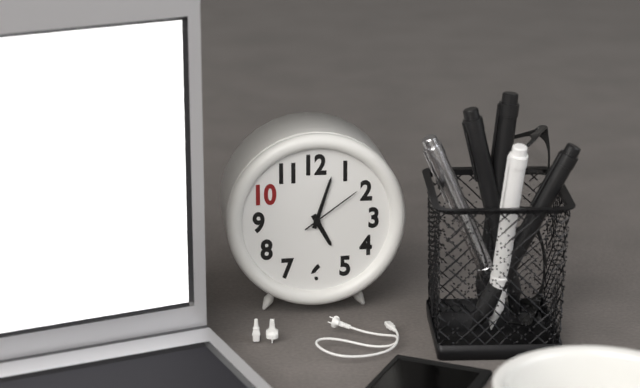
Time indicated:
5h03m09s
